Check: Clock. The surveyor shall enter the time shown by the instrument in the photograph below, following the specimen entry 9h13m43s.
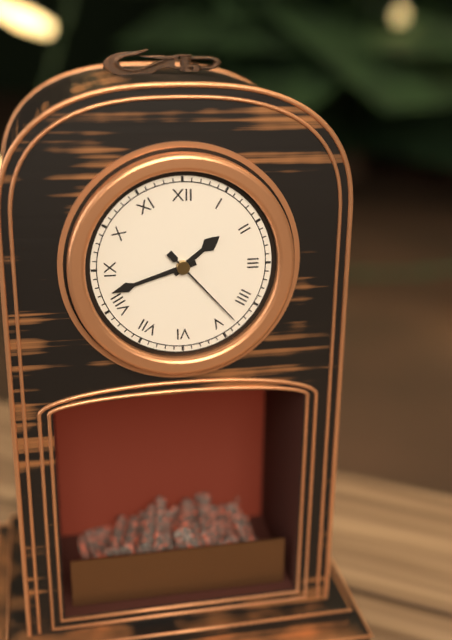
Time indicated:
1h42m23s
